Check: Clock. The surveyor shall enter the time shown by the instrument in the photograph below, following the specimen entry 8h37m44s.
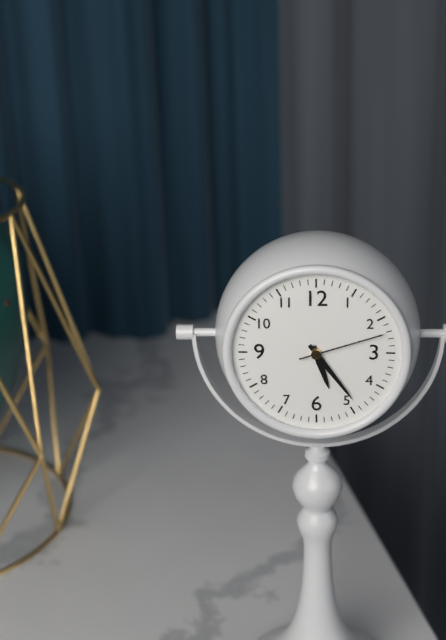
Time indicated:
5h24m12s
